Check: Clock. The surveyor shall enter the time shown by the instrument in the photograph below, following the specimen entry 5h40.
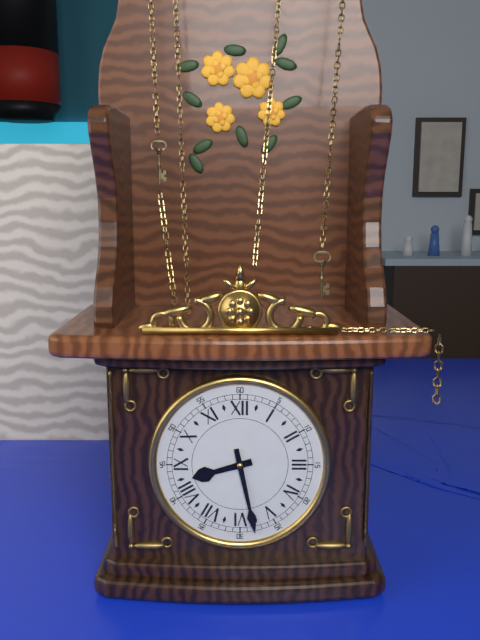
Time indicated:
8h28
